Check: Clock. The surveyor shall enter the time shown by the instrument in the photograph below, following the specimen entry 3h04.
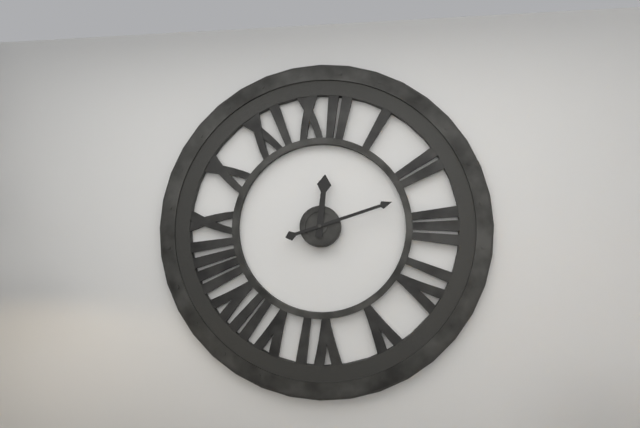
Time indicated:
12h12
